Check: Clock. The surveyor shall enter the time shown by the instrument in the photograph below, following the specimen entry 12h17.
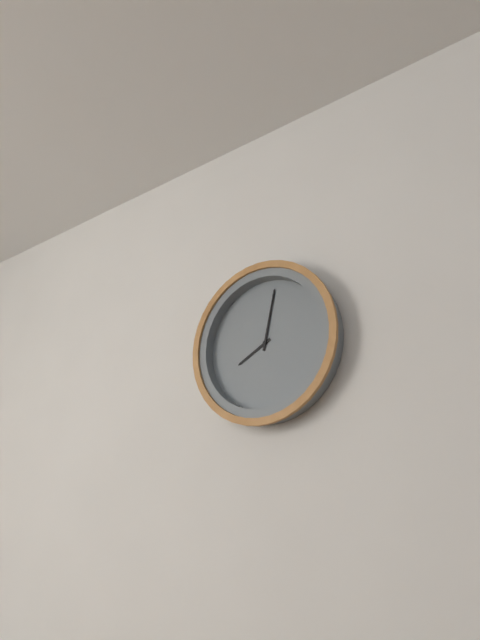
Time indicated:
8h02
